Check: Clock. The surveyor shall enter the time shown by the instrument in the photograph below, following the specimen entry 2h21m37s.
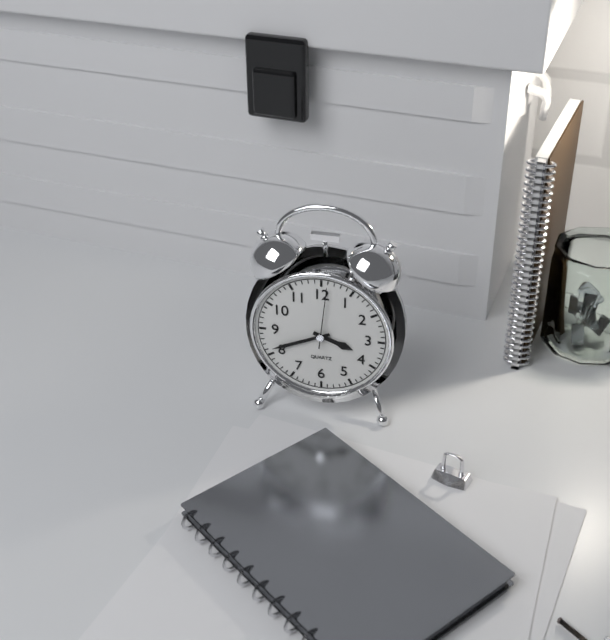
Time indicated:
3h41m01s
